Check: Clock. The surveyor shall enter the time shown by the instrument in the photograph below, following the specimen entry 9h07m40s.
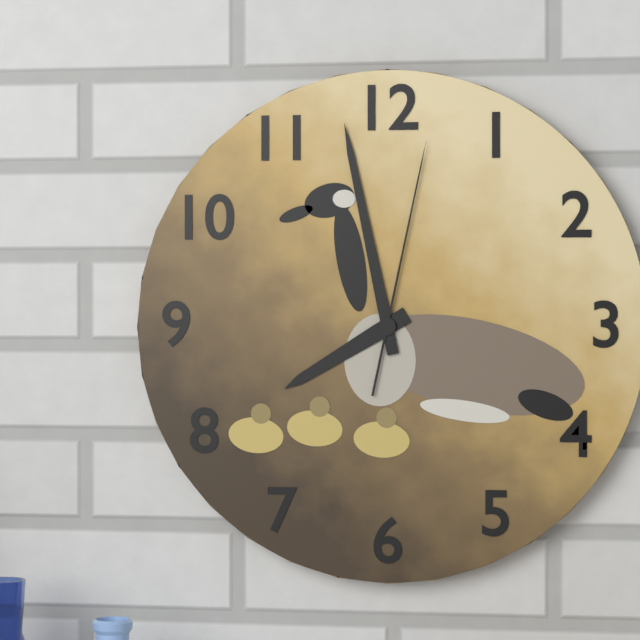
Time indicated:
7h58m02s
